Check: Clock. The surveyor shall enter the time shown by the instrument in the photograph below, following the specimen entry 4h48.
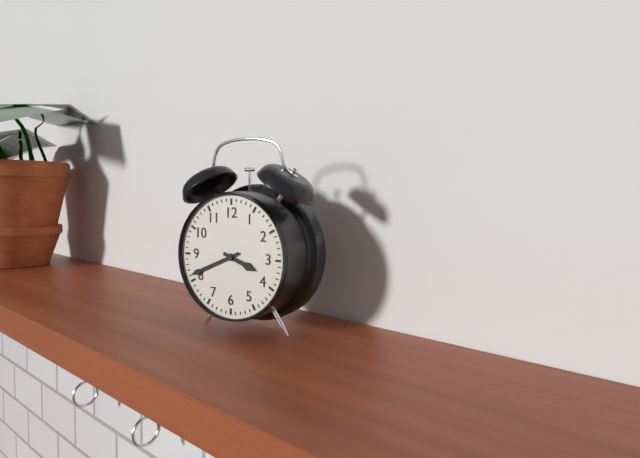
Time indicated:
3h41
